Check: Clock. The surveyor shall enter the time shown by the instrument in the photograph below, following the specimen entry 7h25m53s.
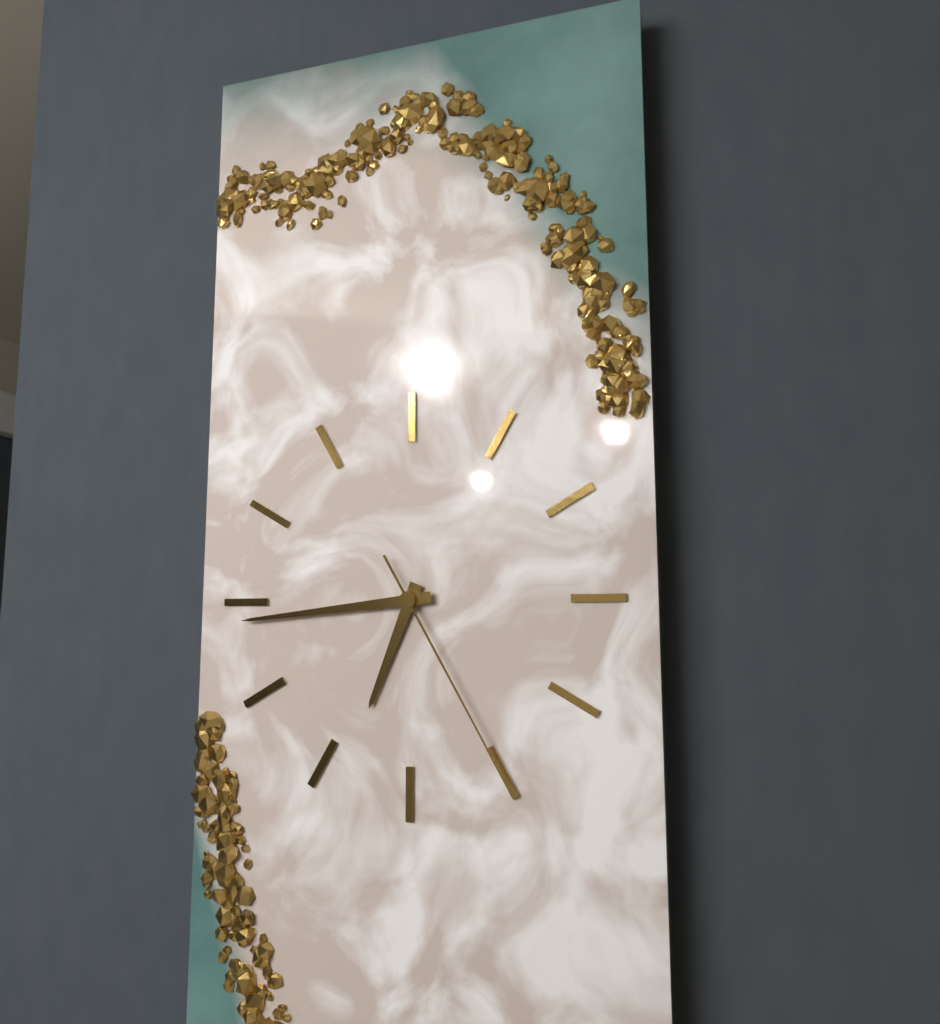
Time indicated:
6h44m25s
